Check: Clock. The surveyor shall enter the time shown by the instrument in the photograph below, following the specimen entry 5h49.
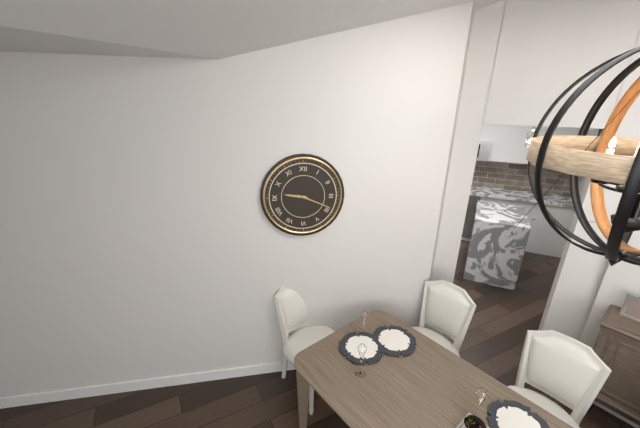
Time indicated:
9h19
